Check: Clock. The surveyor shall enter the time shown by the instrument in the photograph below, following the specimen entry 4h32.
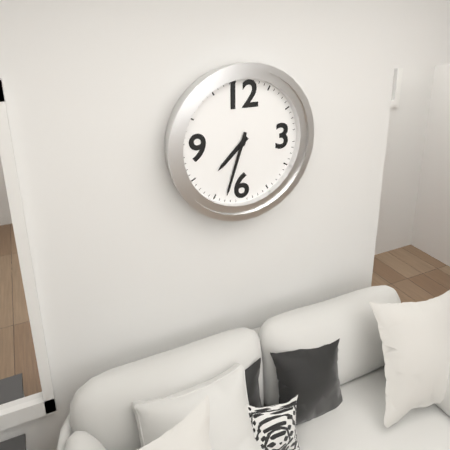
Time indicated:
7h33
